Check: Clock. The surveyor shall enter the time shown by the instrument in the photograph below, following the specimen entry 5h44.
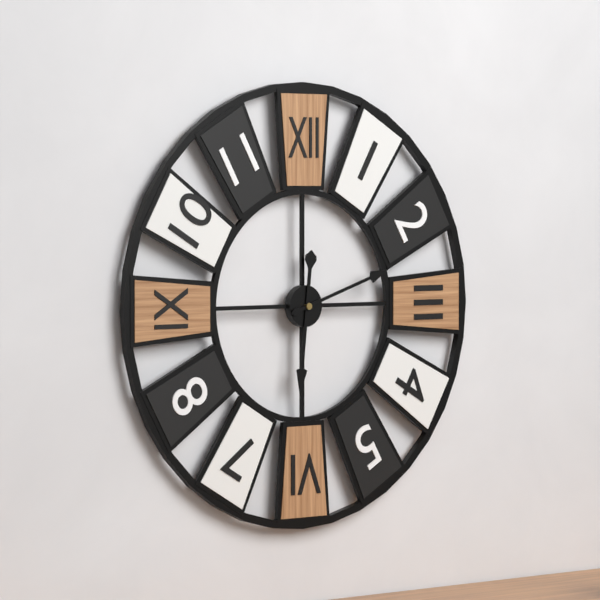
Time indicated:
6h12
